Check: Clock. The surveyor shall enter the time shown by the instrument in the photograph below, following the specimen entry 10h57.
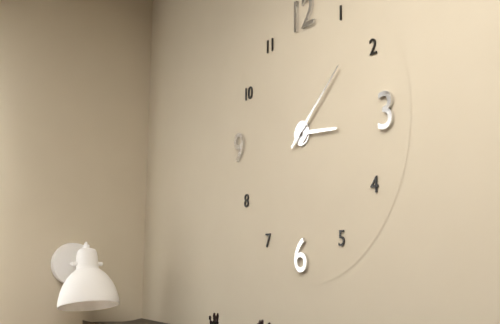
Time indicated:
3h08
